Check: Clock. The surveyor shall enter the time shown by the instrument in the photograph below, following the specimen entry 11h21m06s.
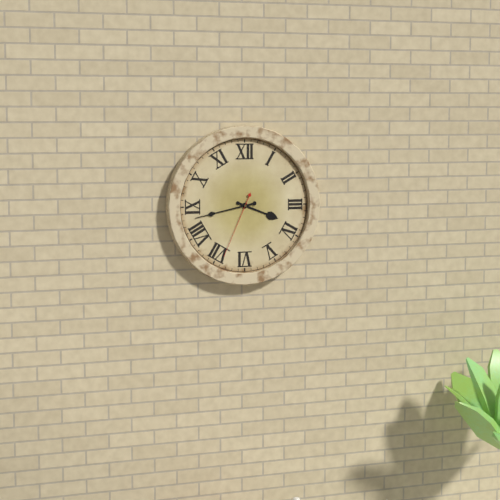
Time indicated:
3h43m34s
